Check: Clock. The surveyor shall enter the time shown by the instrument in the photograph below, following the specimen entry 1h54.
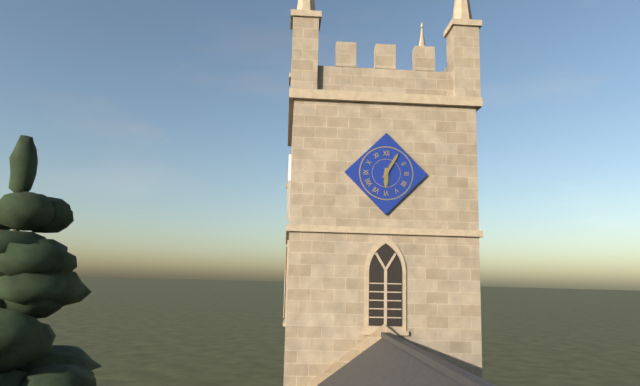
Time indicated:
6h05
